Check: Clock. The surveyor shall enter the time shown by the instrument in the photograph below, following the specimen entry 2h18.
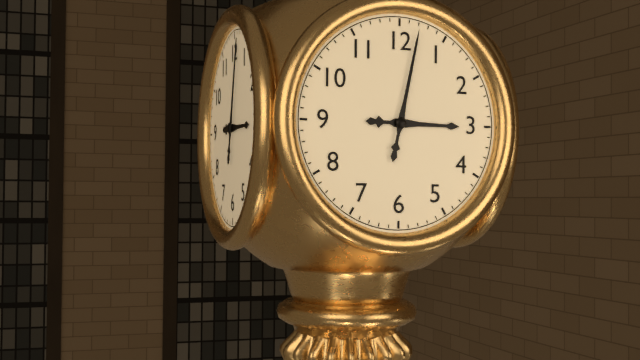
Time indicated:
3h02
